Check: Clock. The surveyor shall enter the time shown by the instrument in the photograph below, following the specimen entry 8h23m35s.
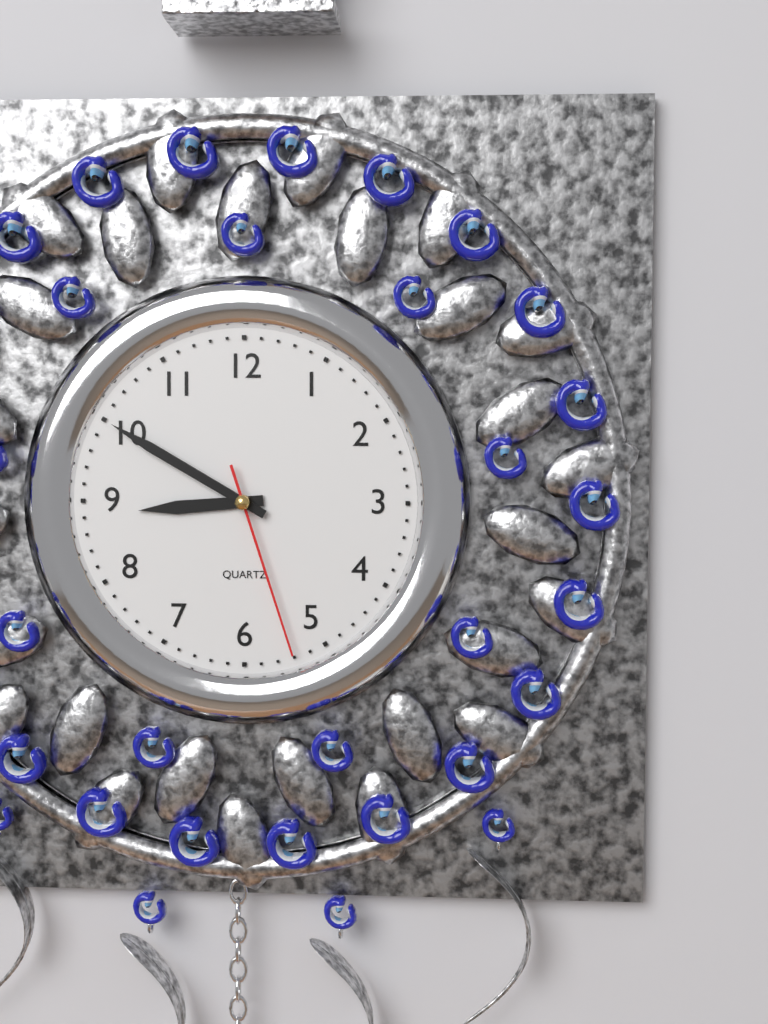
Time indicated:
8h50m27s
